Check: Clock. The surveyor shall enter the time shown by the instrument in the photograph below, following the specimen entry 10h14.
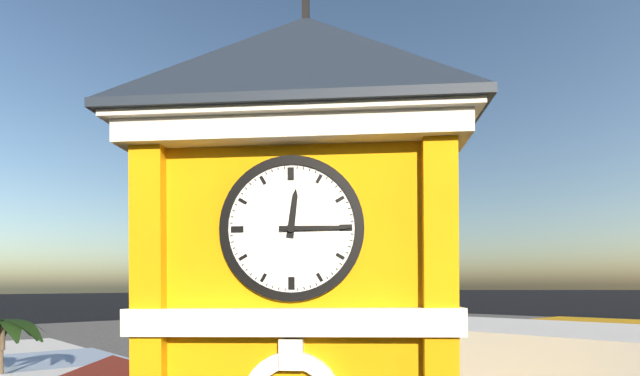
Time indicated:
12h15
